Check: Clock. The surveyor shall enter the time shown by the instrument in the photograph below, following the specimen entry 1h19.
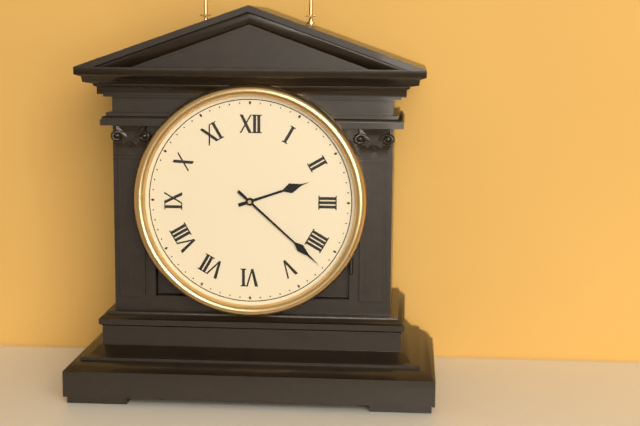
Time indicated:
2h22
